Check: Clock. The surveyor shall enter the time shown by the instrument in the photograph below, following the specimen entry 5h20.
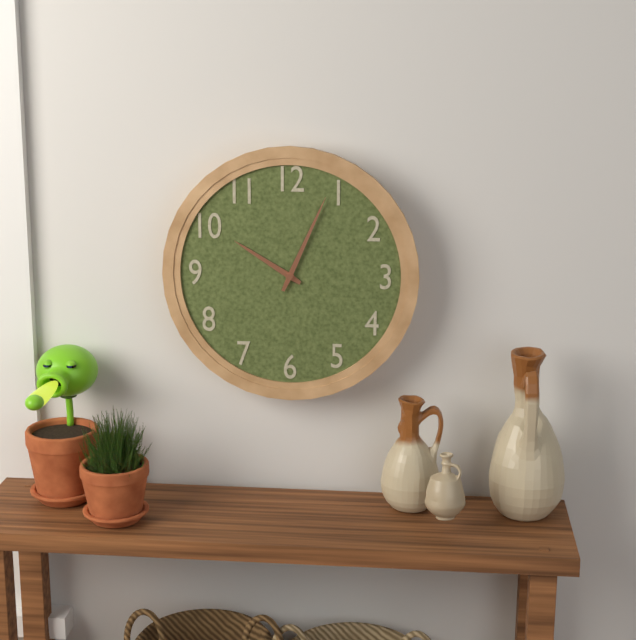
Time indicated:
10h04
